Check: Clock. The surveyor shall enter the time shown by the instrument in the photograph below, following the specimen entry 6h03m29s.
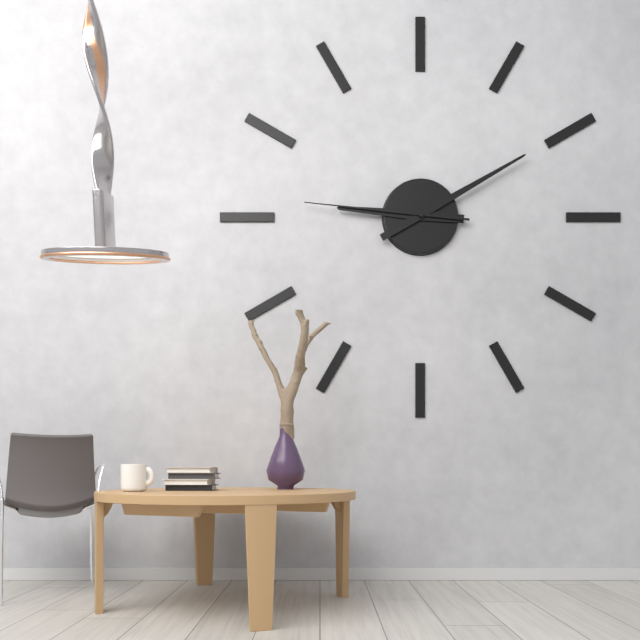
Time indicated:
9h10m46s
